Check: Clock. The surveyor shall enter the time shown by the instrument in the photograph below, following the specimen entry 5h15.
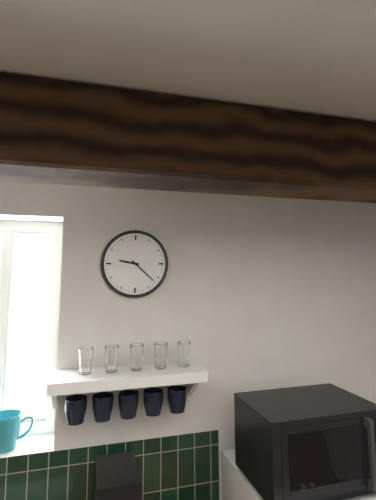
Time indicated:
9h22
